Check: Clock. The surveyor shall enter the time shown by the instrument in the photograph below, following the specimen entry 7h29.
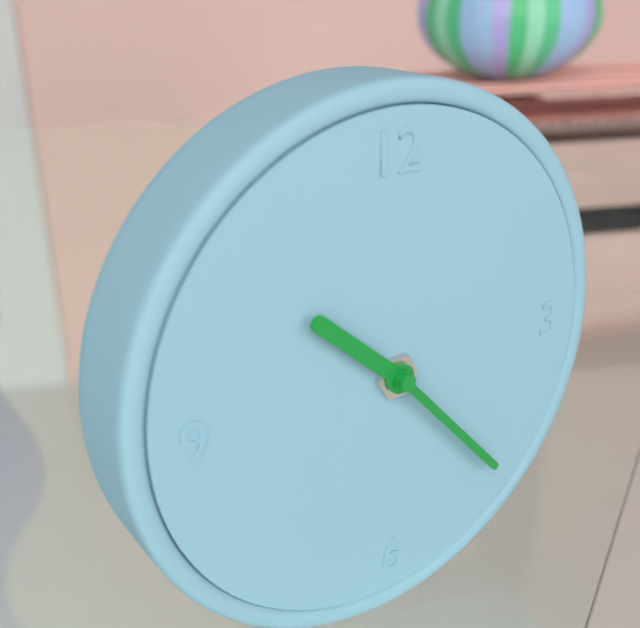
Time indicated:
10h23
